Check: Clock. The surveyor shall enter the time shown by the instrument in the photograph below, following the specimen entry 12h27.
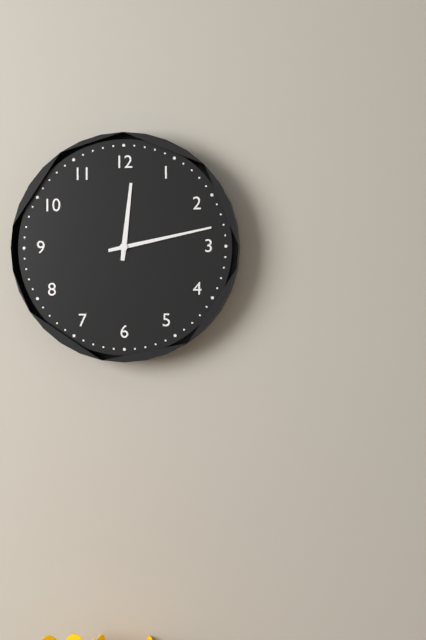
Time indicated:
12h13
